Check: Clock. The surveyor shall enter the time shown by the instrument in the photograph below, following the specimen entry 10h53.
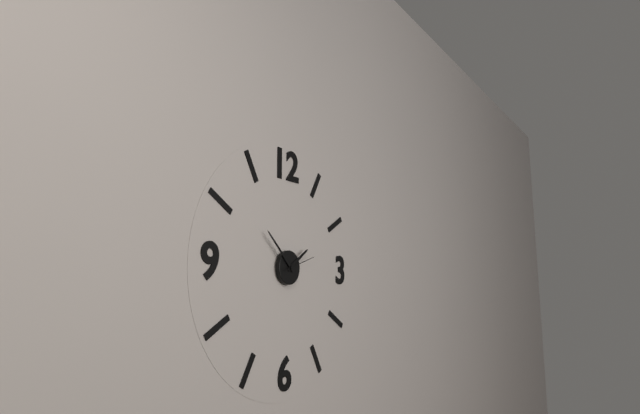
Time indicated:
1h52
